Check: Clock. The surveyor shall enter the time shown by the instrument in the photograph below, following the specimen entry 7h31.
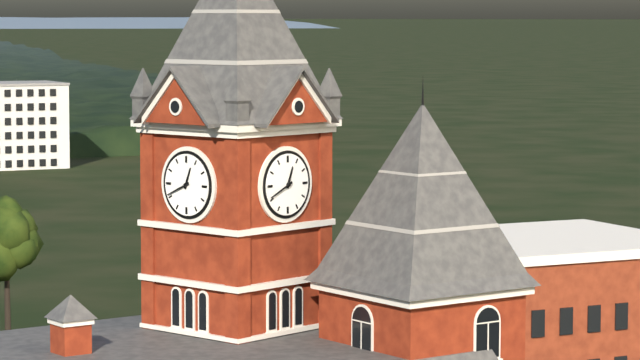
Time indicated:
12h41
